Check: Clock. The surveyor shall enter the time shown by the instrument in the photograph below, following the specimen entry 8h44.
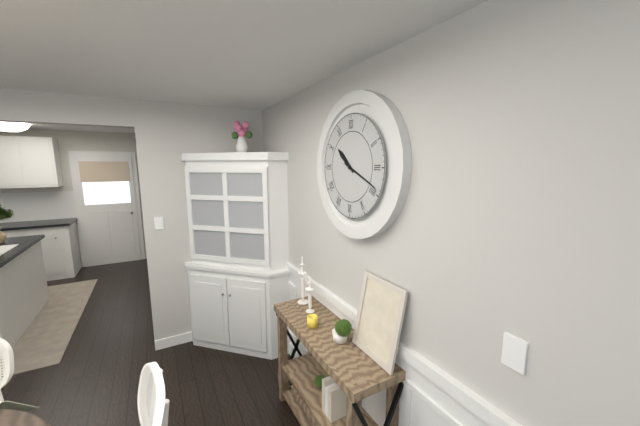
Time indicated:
10h19
